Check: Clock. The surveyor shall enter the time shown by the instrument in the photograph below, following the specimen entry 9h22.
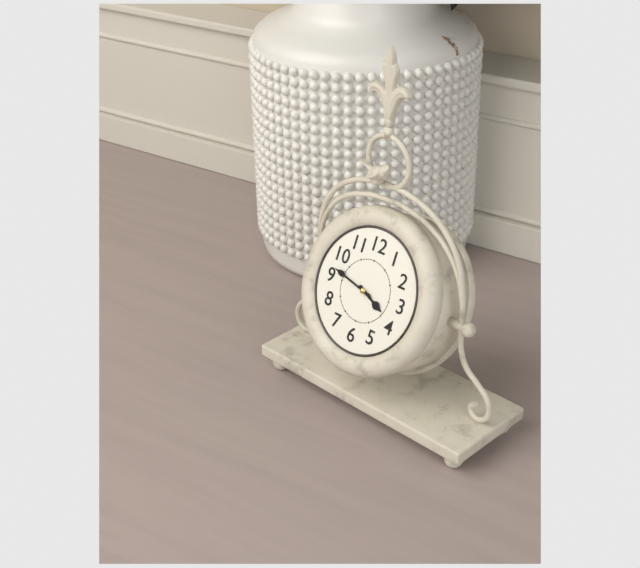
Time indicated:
3h47
